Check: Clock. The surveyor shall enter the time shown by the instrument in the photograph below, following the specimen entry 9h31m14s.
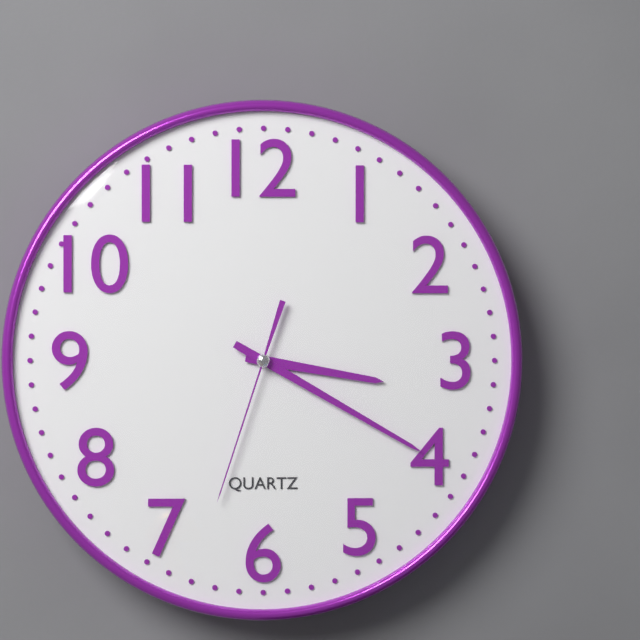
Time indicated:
3h20m33s
